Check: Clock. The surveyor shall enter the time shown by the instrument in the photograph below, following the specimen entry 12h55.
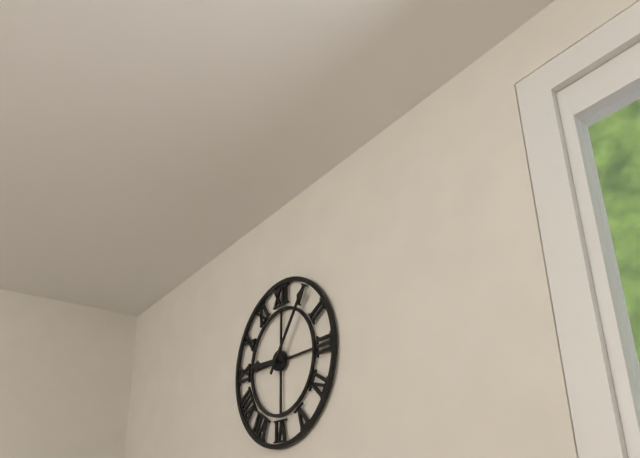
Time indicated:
9h06
